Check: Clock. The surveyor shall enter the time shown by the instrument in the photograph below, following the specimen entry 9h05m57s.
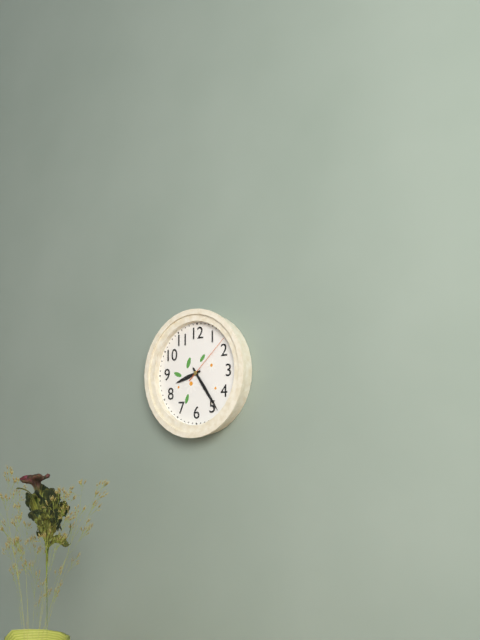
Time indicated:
8h24m08s
